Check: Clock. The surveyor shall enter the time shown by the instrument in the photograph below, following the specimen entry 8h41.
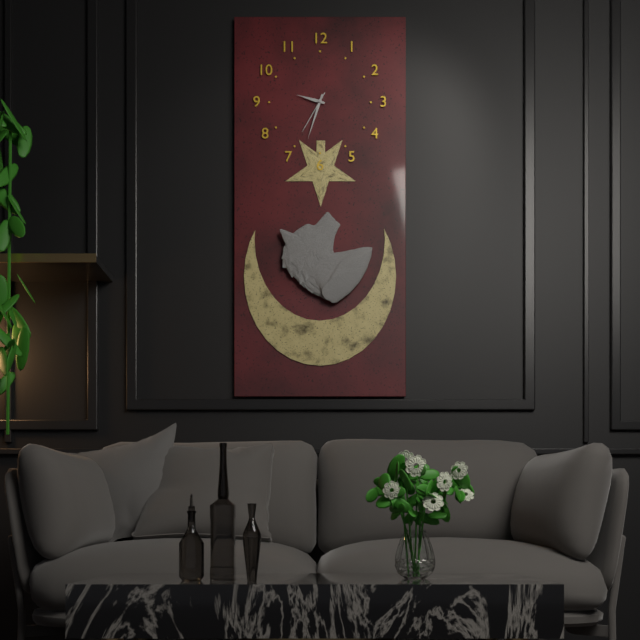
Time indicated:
9h33
